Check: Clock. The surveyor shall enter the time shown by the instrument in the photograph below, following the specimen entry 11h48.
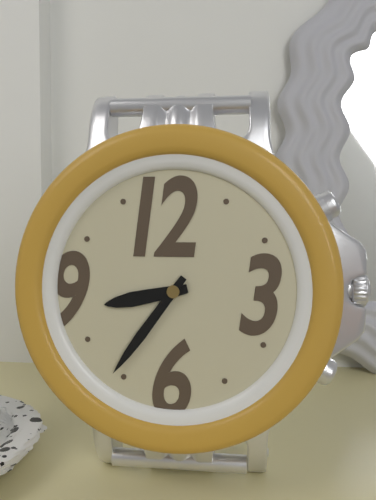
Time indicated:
8h36
